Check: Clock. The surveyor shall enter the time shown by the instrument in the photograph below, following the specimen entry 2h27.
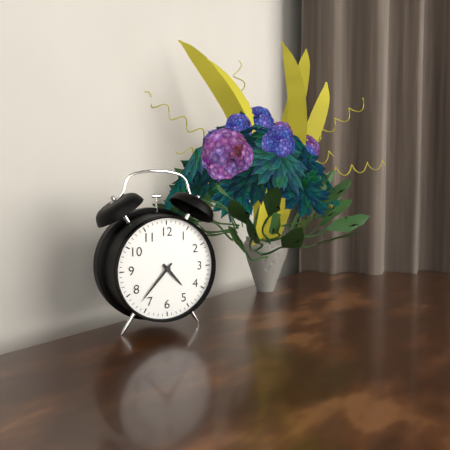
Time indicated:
4h37
